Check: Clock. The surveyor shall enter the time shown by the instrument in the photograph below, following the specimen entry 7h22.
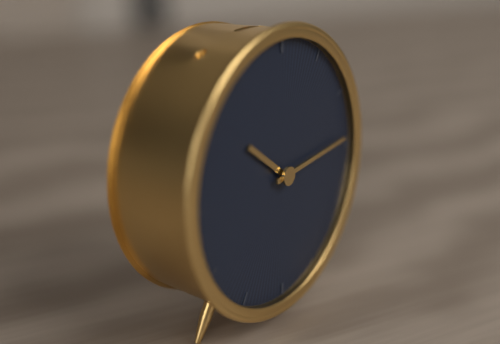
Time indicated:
10h14
